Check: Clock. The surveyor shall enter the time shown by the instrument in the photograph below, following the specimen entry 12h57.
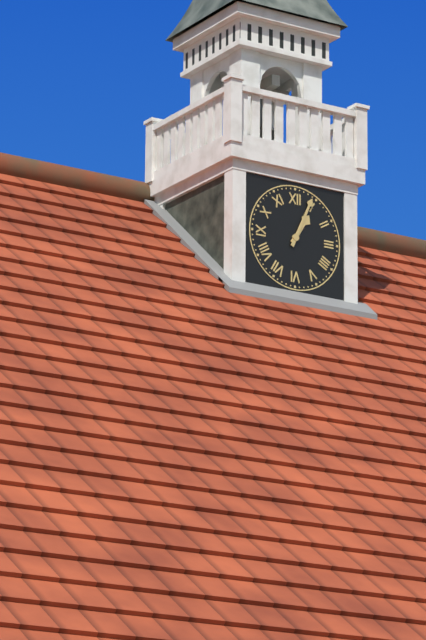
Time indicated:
1h04
